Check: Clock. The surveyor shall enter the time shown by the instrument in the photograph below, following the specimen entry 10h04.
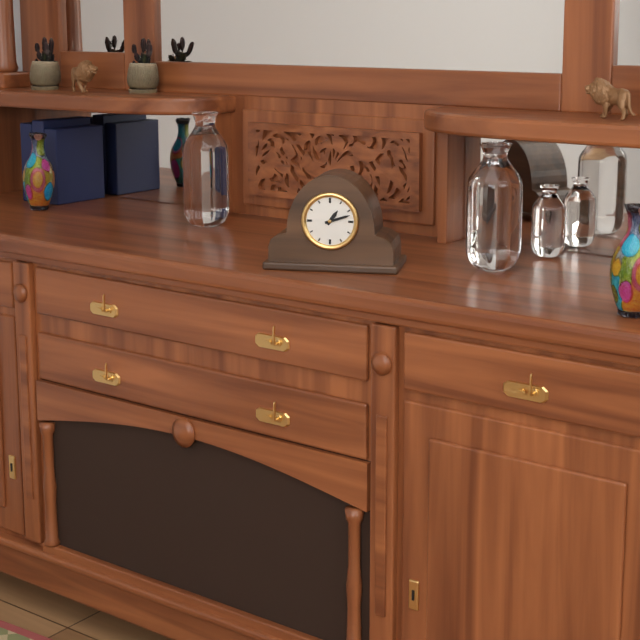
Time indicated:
1h12
